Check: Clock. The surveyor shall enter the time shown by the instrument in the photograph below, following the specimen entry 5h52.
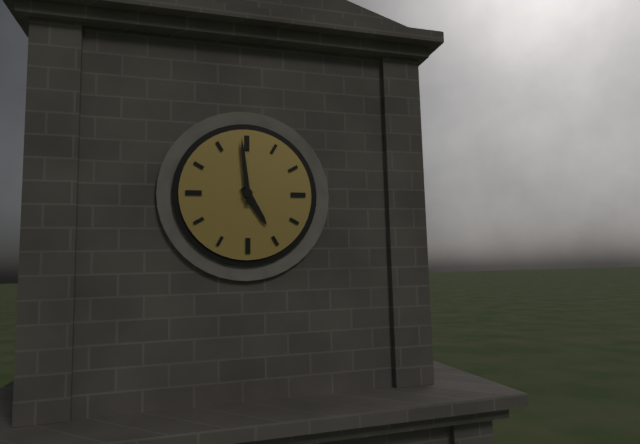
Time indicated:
4h59
